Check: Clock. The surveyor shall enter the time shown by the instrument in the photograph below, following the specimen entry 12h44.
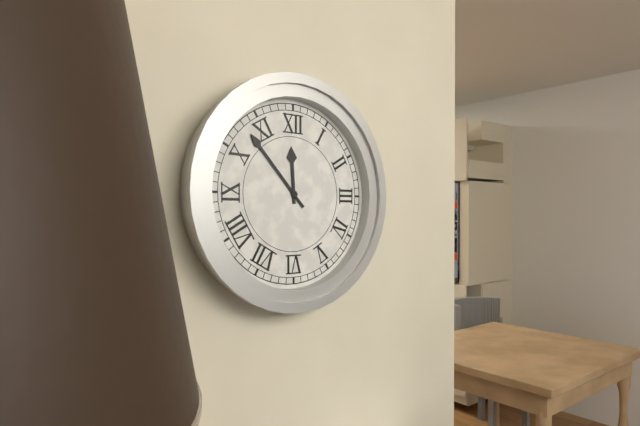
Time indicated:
11h53
